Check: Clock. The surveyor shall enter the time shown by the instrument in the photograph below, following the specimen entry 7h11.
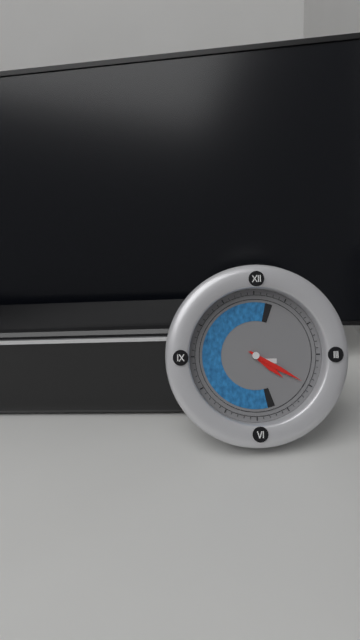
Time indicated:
4h20
